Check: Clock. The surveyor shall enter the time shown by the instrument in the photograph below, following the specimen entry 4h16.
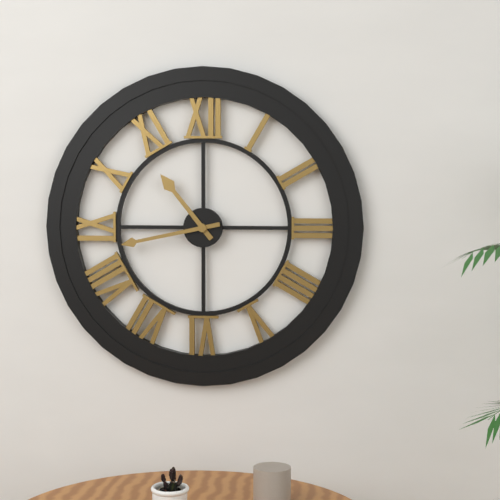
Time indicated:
10h43
